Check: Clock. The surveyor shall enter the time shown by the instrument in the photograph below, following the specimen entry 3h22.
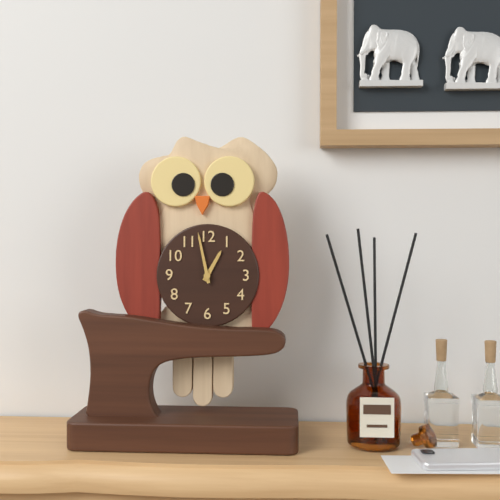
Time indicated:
12h58
